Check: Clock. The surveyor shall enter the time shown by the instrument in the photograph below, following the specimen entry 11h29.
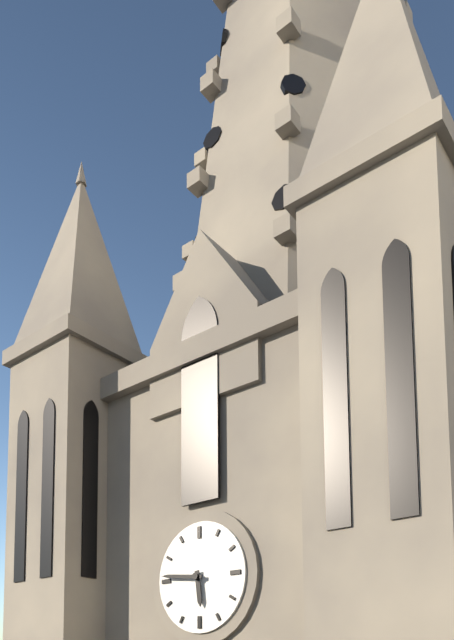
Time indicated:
5h46
